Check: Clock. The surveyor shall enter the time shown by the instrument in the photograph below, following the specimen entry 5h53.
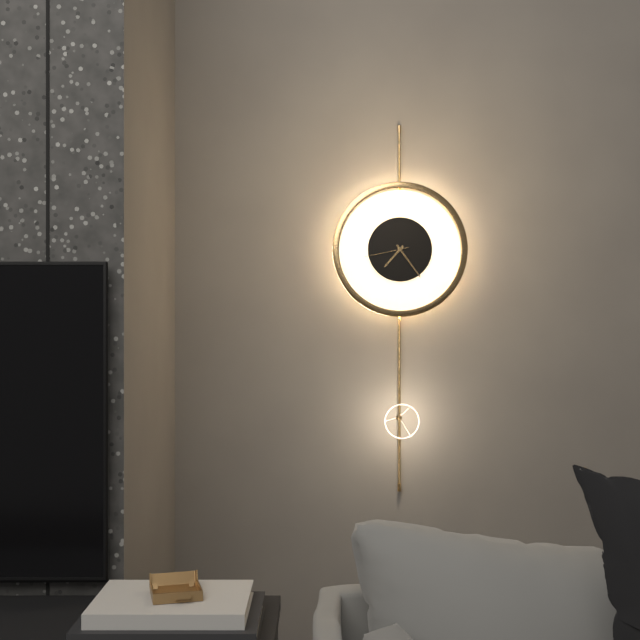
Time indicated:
7h24
